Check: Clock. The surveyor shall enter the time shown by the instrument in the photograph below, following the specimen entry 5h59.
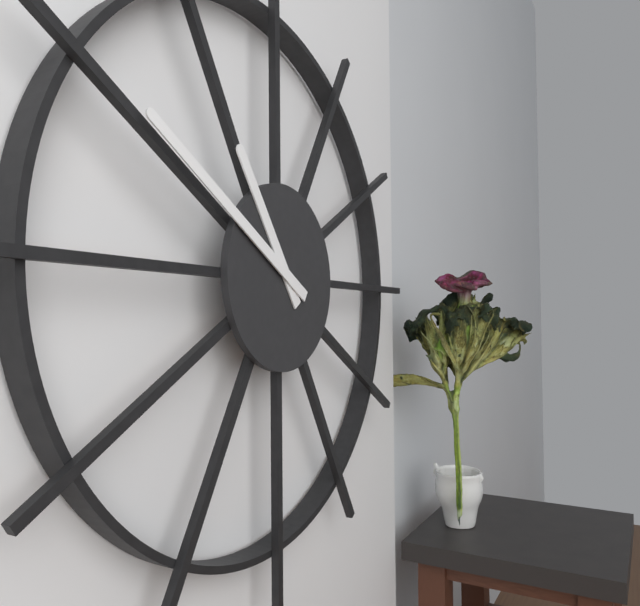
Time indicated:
10h50
